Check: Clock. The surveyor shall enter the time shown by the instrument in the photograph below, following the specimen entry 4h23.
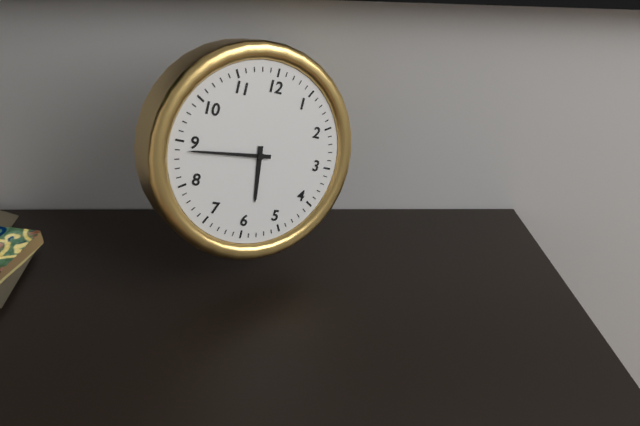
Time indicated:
5h44
